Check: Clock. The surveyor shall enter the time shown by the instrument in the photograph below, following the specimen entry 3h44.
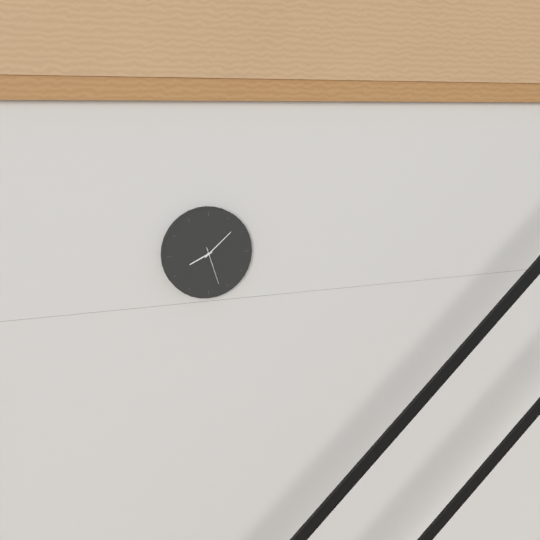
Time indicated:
8h08
